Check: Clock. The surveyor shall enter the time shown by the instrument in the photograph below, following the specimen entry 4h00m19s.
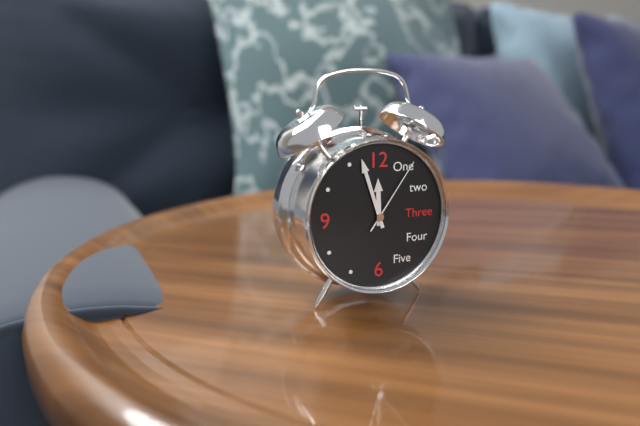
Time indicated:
11h57m06s
